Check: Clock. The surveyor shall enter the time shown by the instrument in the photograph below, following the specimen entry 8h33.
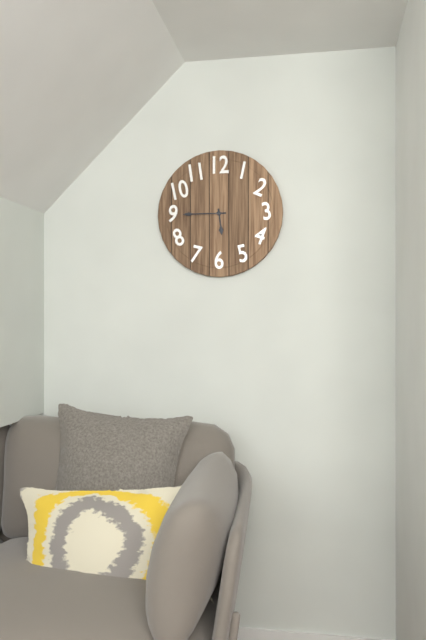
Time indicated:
5h45
